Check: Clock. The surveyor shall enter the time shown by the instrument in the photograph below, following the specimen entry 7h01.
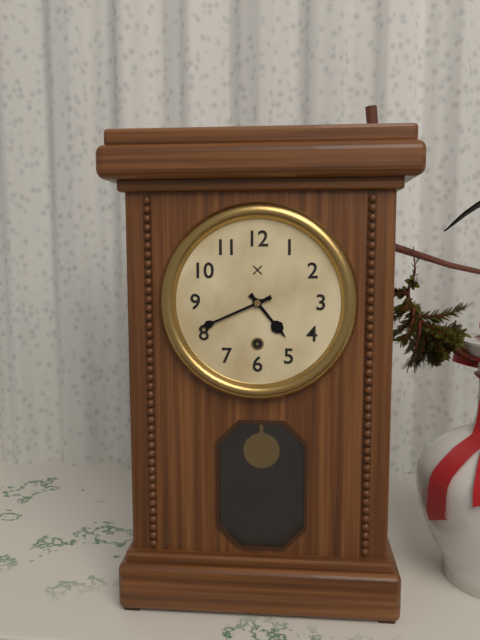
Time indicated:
4h41
